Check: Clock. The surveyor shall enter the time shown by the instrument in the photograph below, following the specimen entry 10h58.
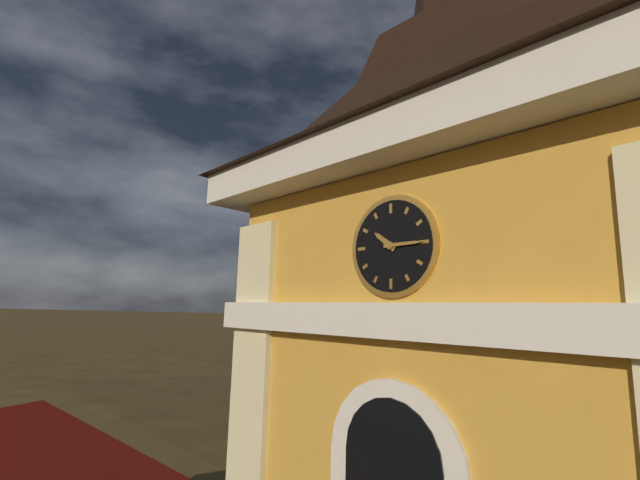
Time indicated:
10h15
